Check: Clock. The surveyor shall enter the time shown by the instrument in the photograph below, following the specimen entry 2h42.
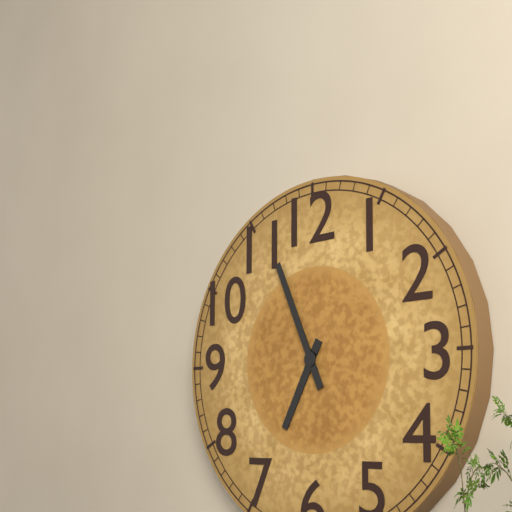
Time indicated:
6h56
